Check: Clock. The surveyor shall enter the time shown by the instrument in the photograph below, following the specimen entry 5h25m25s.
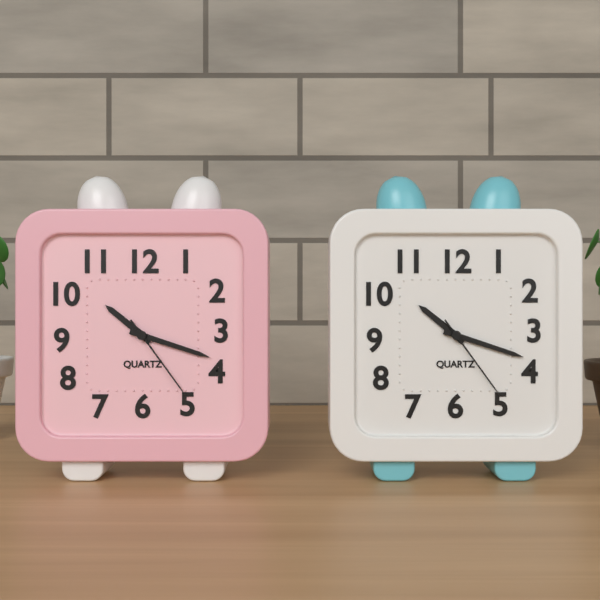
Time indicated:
10h18m24s
